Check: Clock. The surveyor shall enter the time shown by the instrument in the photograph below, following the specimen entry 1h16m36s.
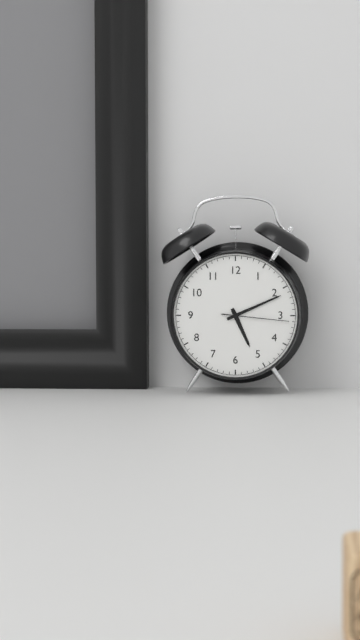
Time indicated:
5h11m16s
